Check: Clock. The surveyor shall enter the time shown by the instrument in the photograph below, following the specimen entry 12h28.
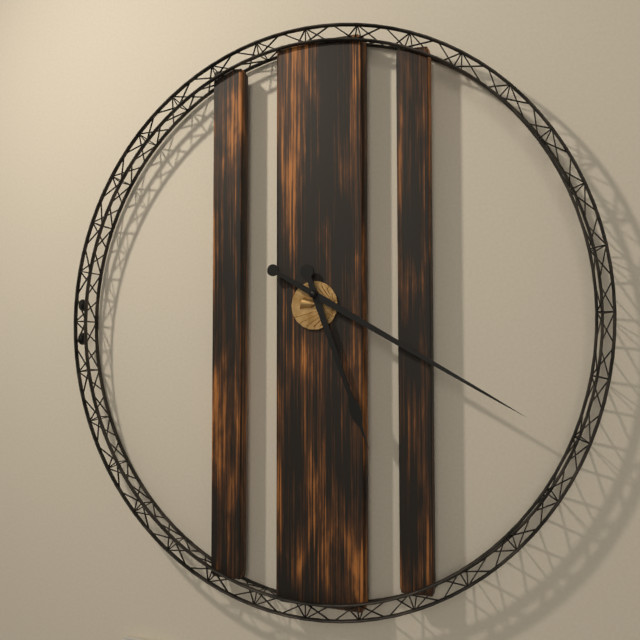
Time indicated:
5h20
